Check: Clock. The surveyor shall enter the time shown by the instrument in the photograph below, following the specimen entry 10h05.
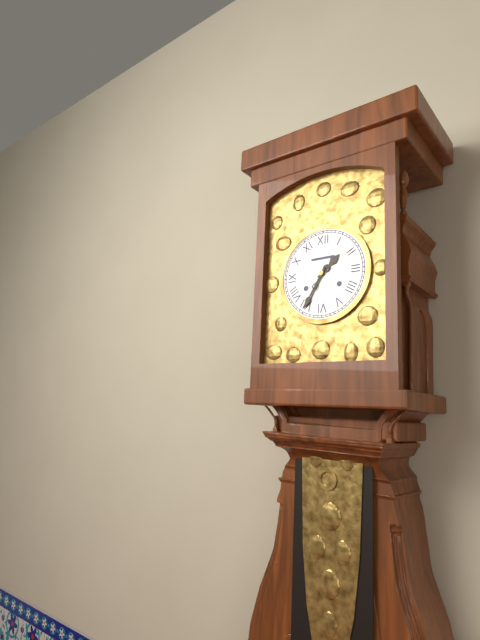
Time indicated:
1h35
